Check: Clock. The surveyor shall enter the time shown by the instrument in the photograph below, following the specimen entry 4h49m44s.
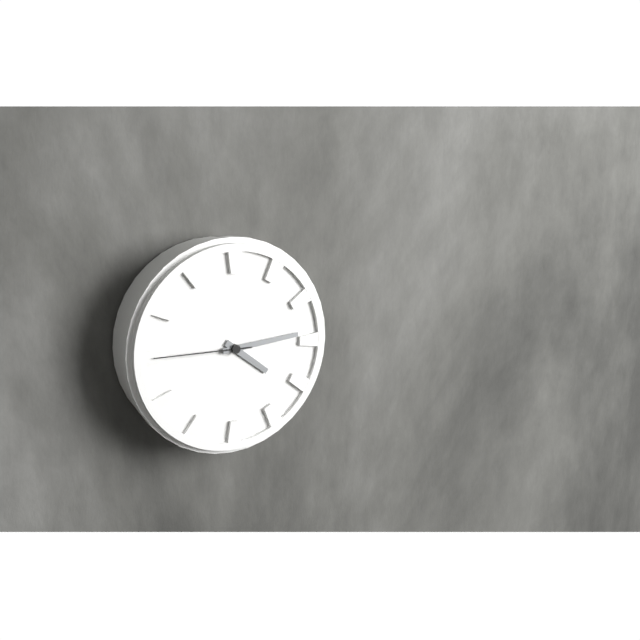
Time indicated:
4h14m45s
